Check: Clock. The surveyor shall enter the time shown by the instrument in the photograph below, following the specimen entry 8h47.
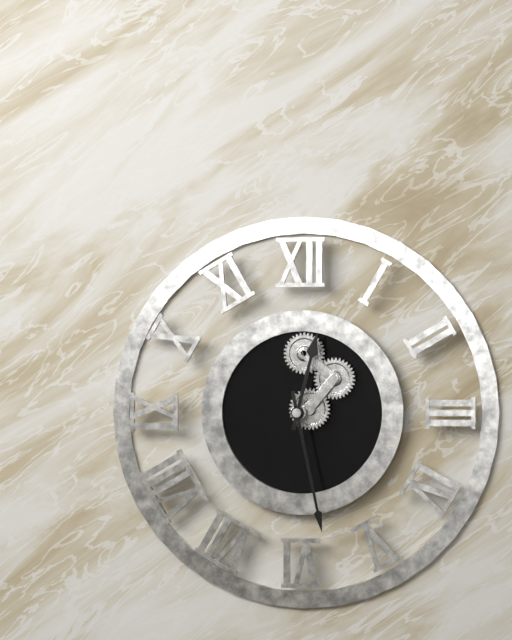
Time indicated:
12h28
